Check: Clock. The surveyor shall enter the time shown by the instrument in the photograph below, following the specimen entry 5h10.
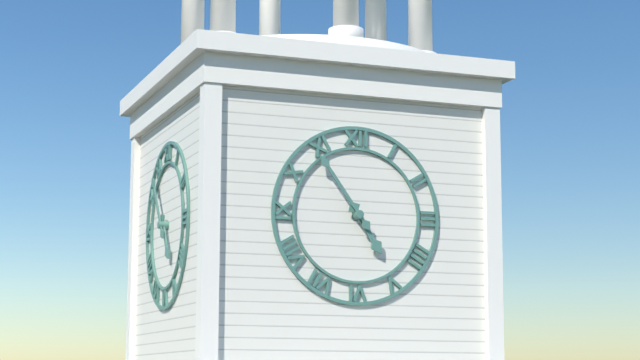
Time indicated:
4h54
